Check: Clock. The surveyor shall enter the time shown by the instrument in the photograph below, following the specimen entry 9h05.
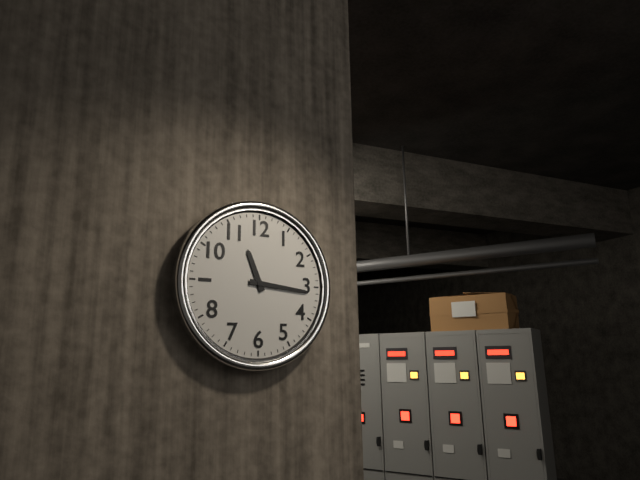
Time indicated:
11h16
